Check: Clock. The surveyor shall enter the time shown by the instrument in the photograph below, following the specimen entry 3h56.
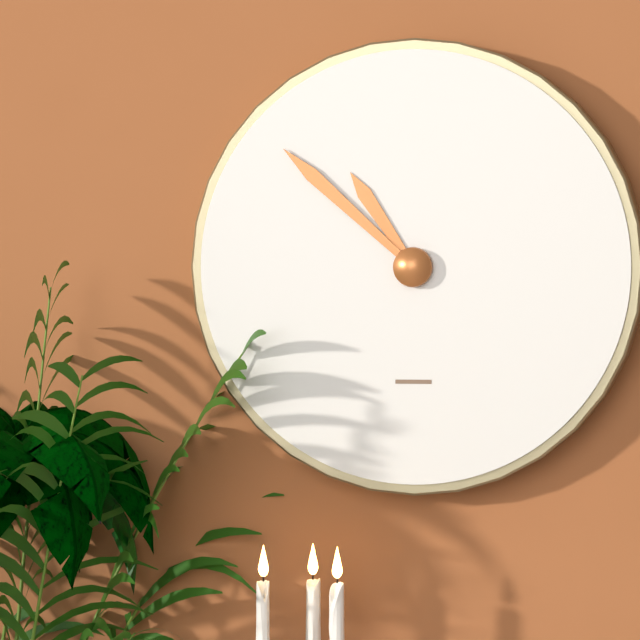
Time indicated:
10h52
